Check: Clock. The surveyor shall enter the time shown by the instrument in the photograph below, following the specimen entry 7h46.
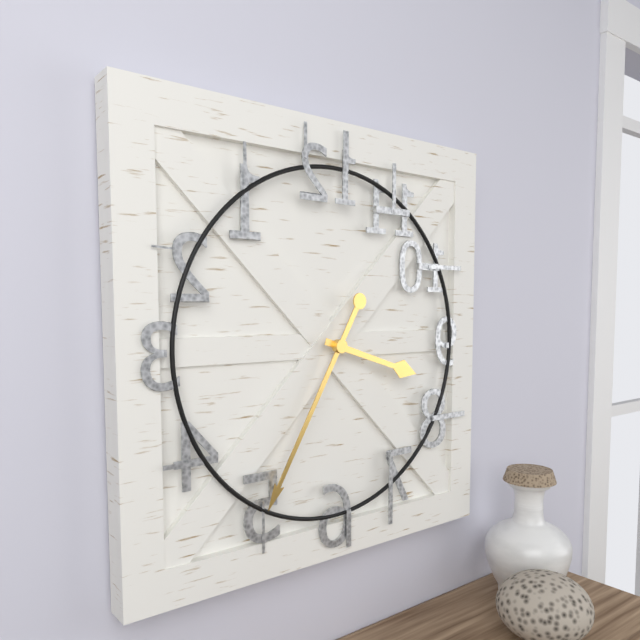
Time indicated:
3h35
